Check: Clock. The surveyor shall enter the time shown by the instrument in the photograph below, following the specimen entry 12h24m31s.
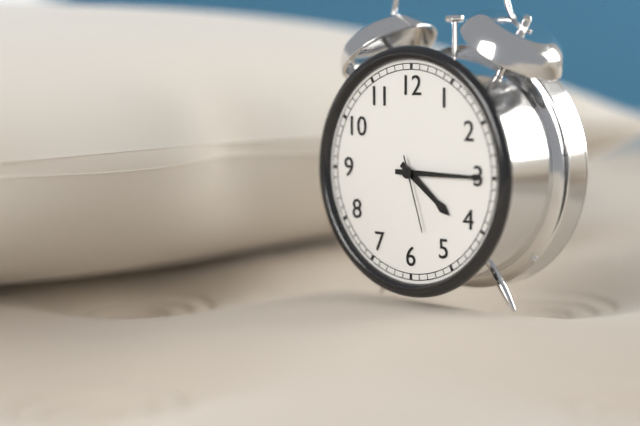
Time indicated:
4h15m27s
